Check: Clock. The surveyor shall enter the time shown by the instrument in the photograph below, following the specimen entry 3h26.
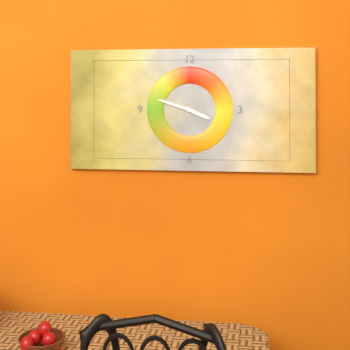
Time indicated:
3h48
